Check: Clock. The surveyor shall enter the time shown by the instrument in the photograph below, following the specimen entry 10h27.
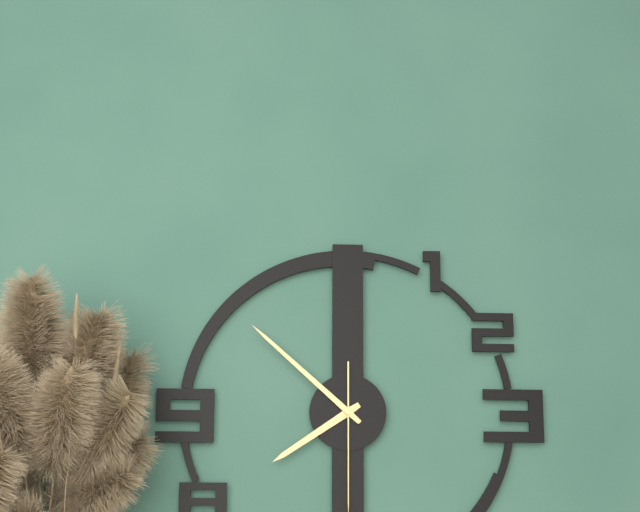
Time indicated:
7h52
